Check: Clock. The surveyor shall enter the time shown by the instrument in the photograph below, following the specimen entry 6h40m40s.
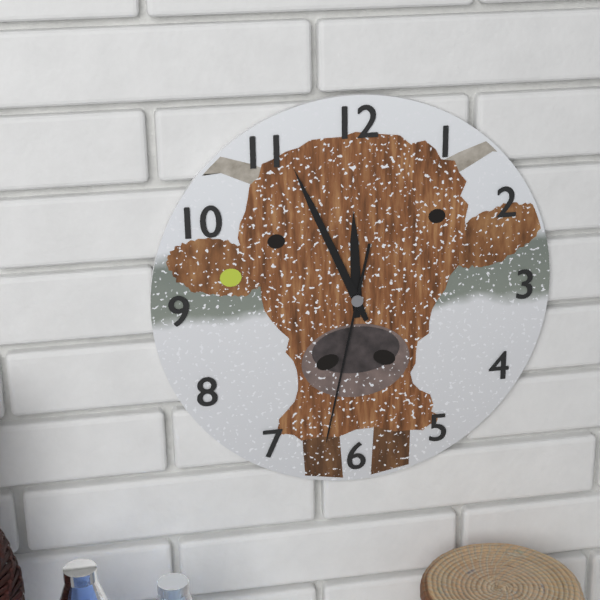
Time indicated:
11h56m32s
